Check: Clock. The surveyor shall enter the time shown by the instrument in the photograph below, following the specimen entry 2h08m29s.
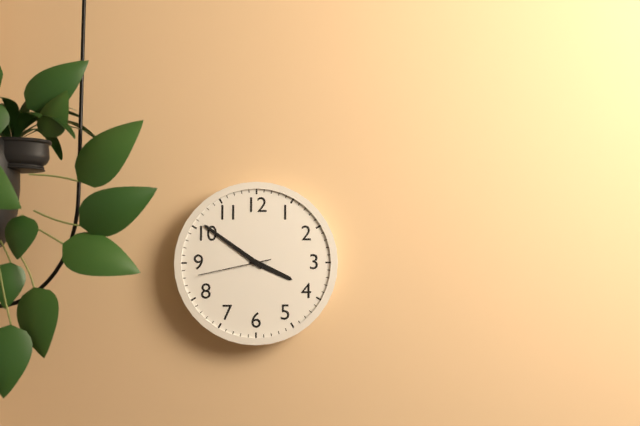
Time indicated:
3h51m43s
